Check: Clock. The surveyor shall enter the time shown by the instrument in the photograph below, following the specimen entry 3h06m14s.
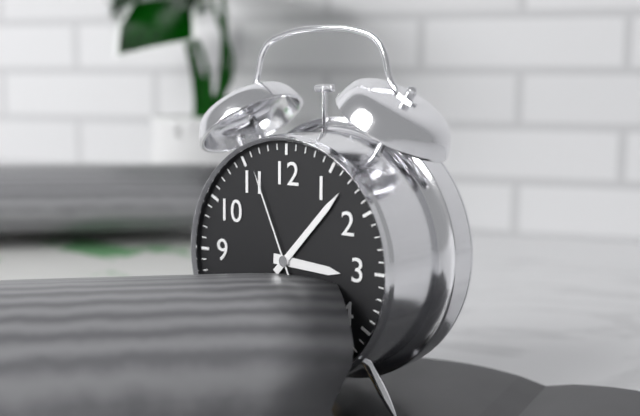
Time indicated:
3h07m56s
